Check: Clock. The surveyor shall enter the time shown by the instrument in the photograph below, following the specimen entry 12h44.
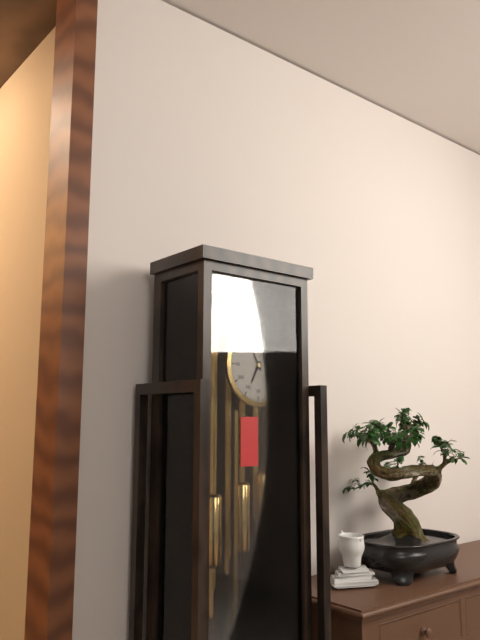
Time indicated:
6h55
